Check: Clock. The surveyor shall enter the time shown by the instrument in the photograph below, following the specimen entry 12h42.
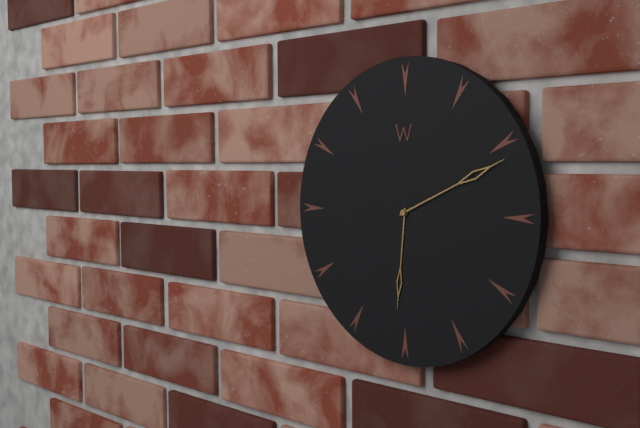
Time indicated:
6h11
